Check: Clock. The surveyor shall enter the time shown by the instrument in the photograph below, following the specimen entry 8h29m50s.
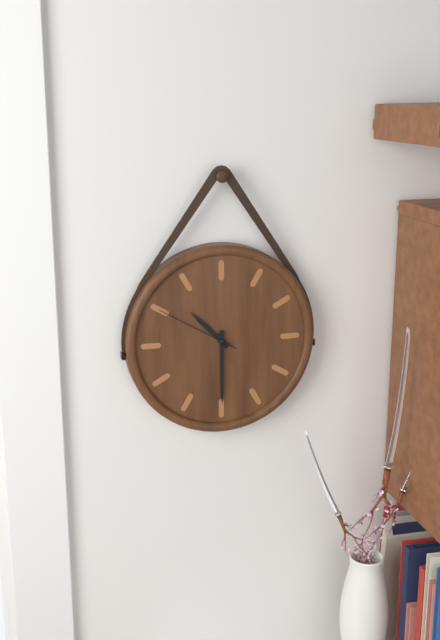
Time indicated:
10h30m50s
